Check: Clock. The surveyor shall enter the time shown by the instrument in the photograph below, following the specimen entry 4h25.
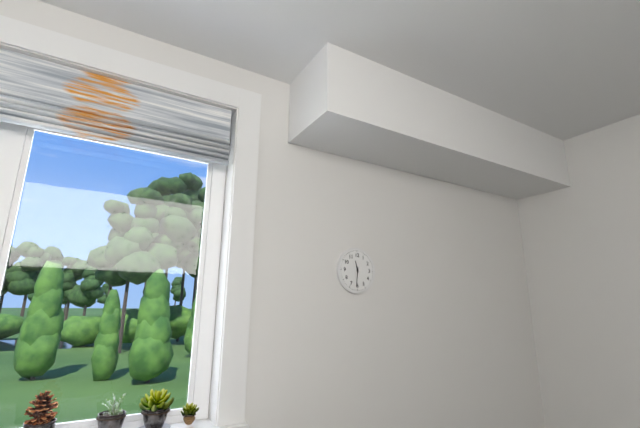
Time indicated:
11h31
